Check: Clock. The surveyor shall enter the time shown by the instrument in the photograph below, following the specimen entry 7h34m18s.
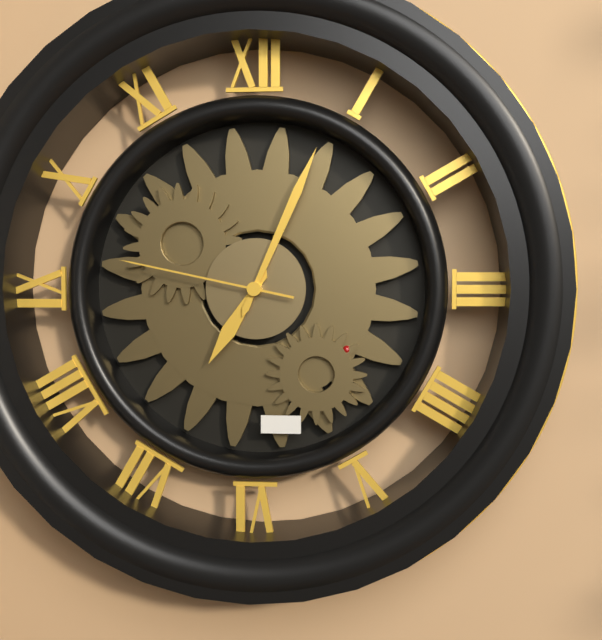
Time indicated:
7h04m47s
